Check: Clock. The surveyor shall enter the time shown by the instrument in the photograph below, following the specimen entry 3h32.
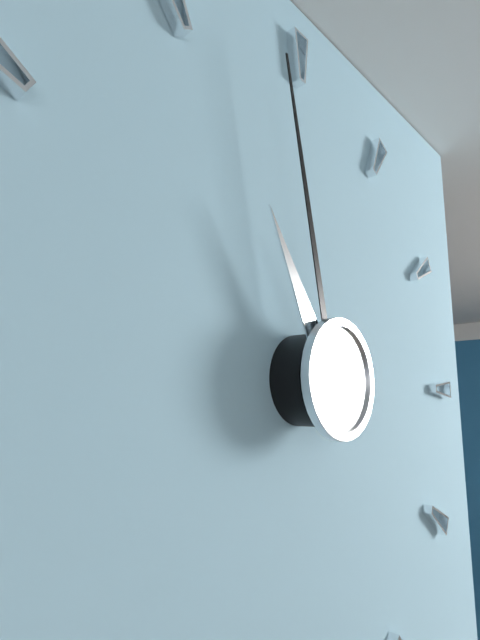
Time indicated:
10h58
